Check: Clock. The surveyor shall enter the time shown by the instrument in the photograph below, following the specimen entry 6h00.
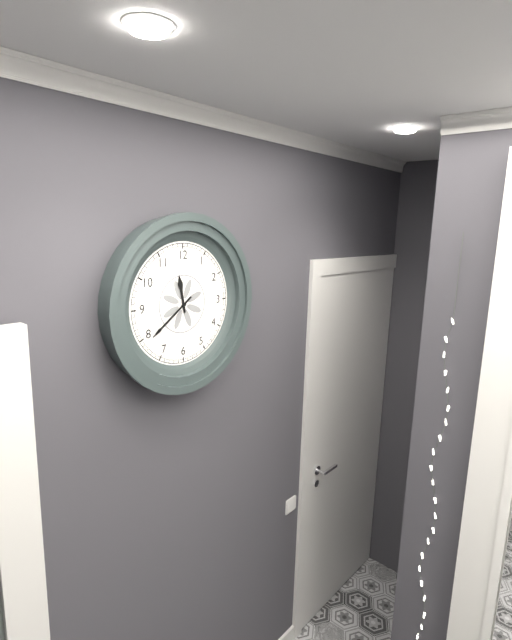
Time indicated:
11h39
